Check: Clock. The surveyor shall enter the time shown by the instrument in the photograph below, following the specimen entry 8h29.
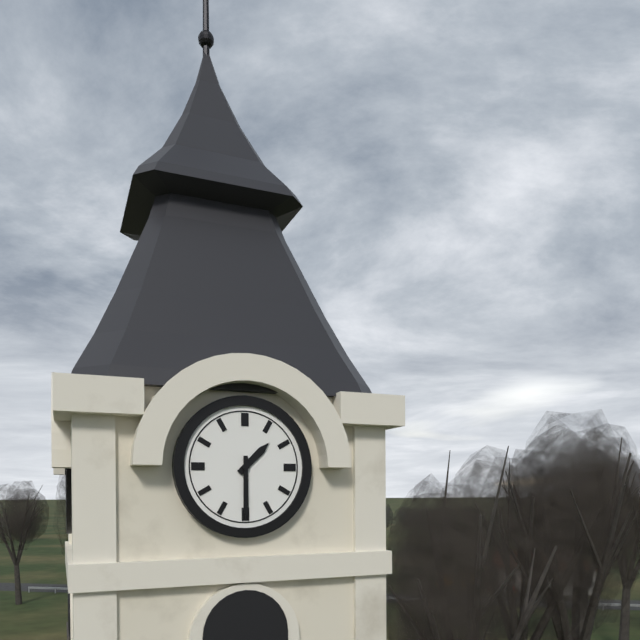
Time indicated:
1h30
